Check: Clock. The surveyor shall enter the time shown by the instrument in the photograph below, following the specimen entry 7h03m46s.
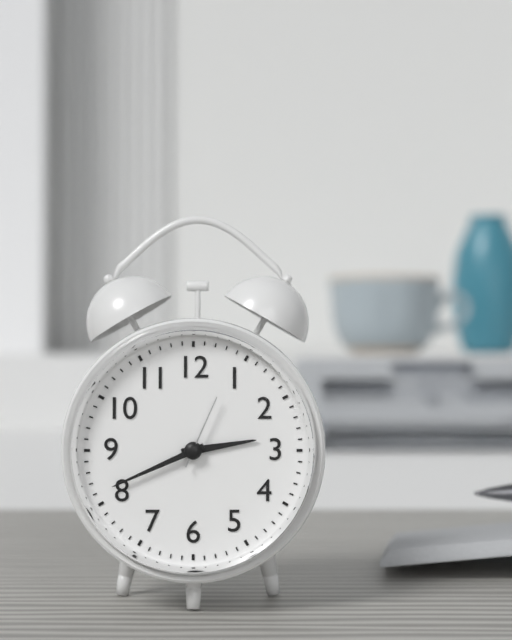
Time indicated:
2h41m04s
